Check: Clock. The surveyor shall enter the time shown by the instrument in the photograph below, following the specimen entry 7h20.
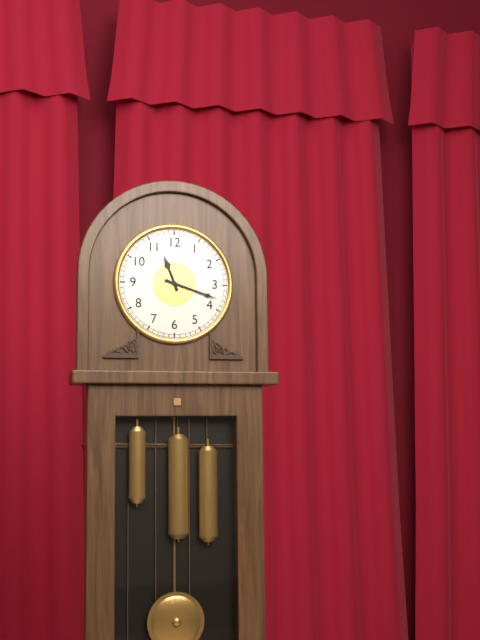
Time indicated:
11h18
